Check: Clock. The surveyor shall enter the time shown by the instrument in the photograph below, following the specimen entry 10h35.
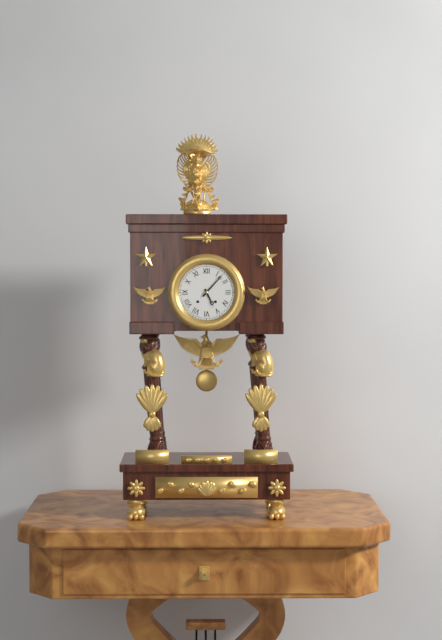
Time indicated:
5h07
